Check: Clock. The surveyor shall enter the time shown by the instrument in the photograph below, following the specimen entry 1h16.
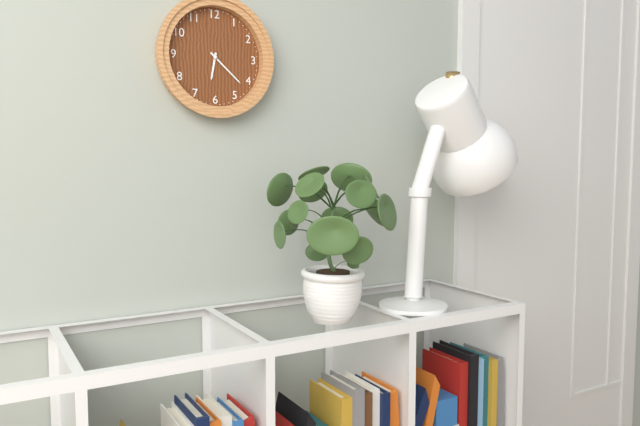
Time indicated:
6h22
